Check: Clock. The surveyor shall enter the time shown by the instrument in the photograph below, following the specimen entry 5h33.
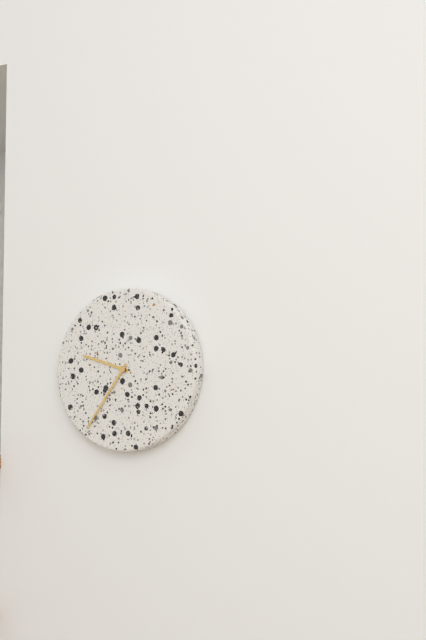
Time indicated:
9h36
